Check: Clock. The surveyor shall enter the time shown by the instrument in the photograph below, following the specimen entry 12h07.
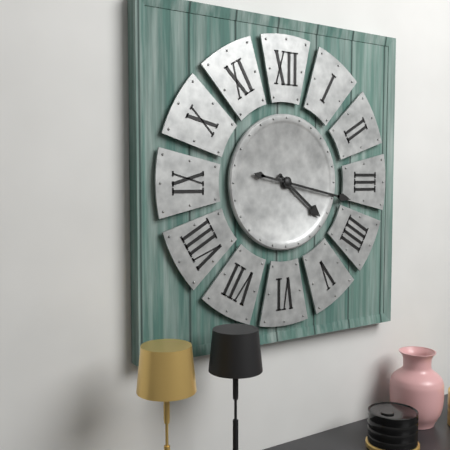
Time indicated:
4h17
